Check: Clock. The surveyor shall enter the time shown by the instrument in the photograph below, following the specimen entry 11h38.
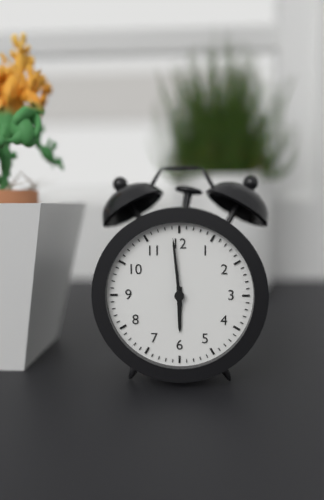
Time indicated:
5h59
